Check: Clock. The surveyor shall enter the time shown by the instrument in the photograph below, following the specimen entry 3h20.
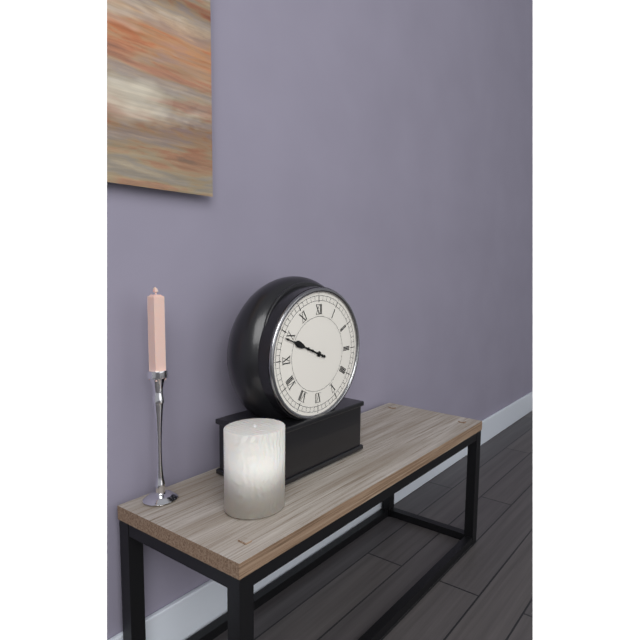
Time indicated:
9h49
